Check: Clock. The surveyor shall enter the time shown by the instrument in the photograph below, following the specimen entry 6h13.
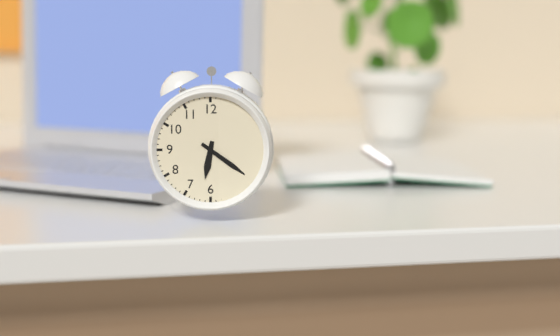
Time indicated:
6h21
